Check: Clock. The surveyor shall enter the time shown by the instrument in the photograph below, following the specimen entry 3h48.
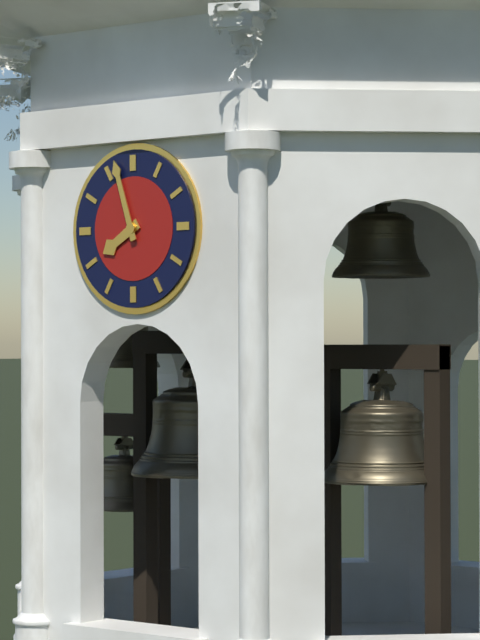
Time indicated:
7h57
